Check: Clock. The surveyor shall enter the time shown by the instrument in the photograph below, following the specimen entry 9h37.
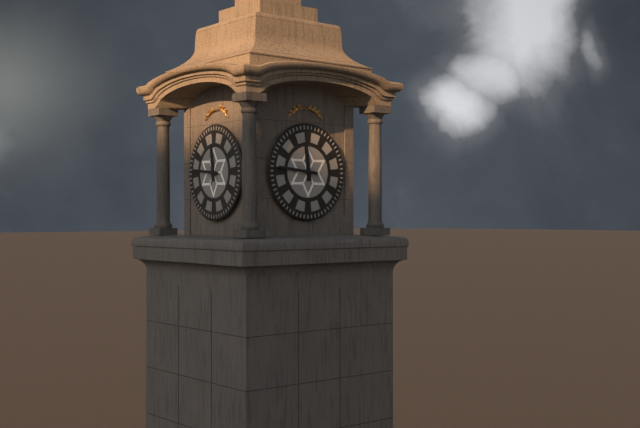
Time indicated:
11h46
